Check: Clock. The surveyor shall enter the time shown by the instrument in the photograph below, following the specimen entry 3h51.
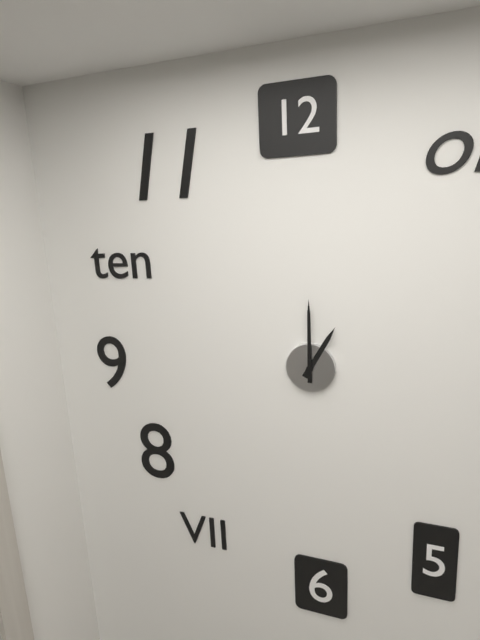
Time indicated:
1h00
